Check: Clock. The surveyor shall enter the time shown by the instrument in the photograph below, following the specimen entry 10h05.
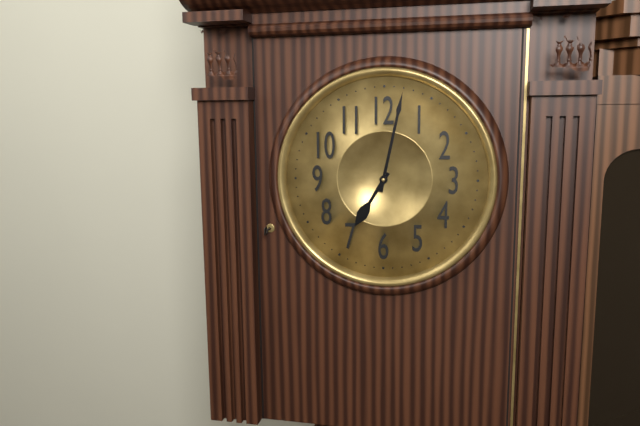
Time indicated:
7h02
